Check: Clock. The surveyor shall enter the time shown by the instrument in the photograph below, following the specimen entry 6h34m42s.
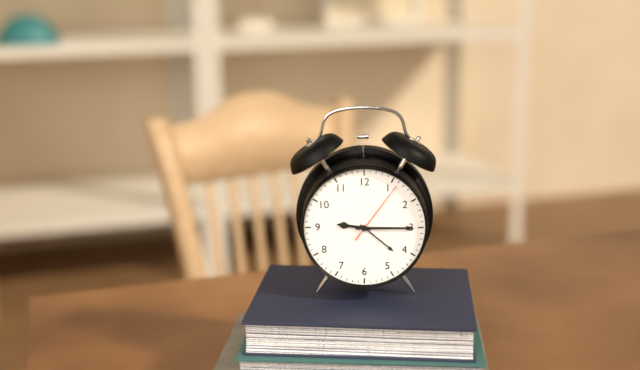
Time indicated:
9h15m06s
